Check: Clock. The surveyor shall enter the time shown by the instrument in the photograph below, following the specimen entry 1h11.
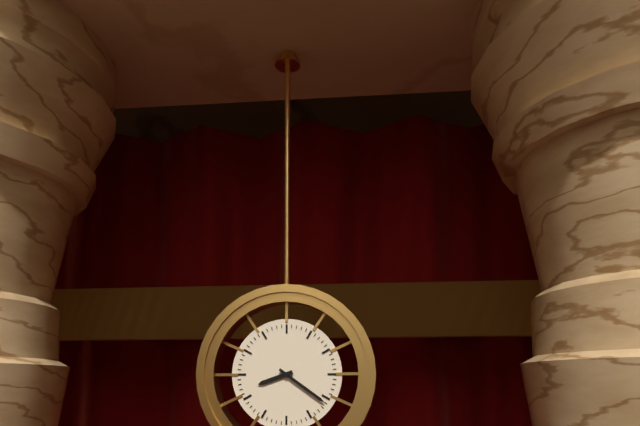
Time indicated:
8h21
